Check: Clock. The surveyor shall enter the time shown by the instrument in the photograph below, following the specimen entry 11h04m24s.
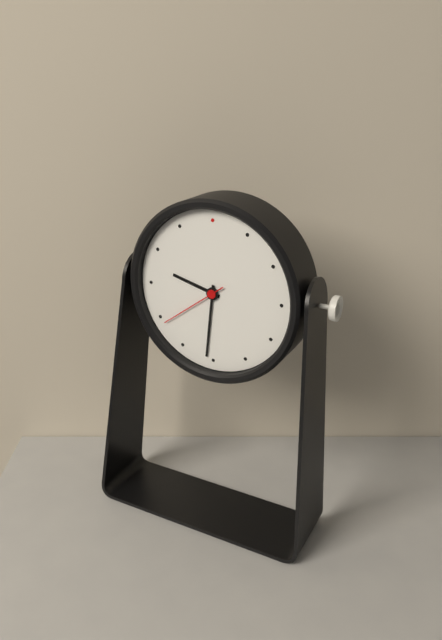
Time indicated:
9h31m39s
